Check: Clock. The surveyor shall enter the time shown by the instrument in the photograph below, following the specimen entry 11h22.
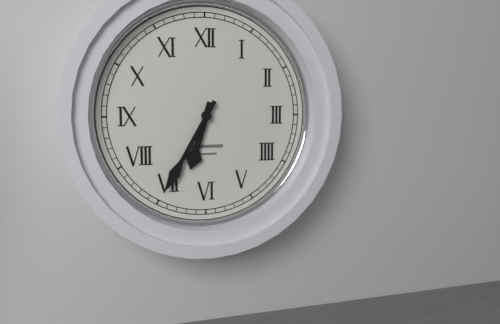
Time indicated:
6h35
